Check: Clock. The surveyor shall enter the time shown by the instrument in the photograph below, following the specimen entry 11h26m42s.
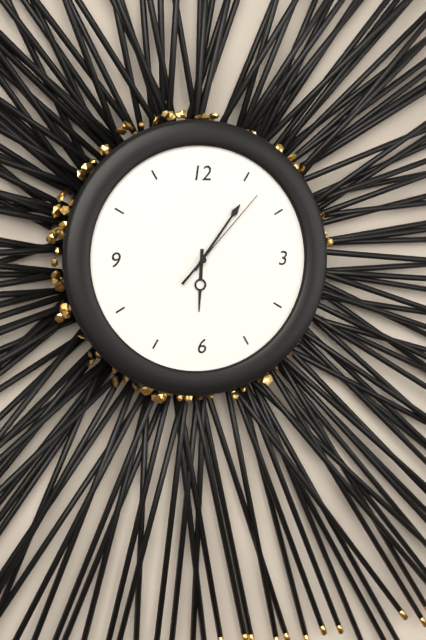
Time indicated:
6h06m07s
